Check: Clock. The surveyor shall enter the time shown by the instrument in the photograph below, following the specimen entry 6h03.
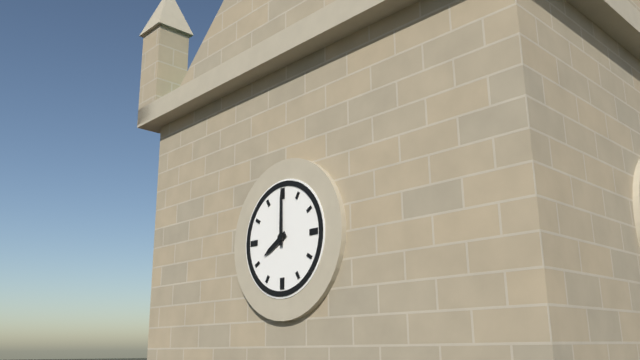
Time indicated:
8h00
